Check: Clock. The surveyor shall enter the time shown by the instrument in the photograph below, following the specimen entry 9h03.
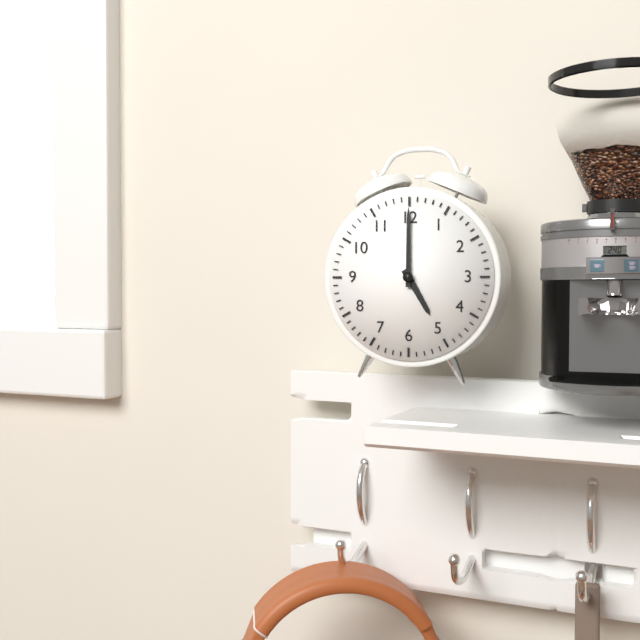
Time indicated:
5h00
